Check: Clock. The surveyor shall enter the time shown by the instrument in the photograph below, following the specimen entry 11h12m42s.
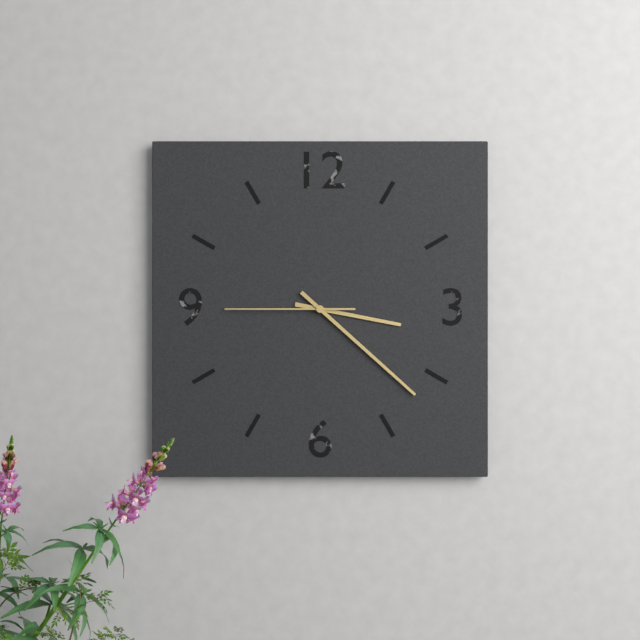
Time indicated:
3h22m45s
